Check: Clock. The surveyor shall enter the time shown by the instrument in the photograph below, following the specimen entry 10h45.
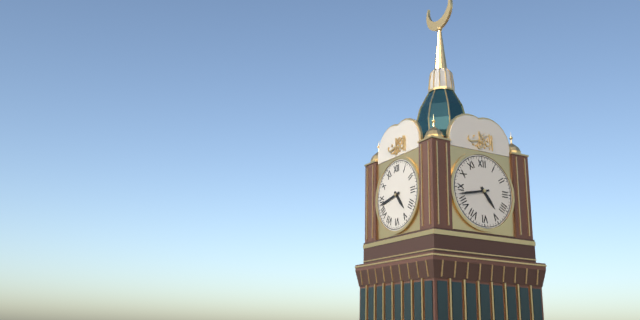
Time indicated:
4h43
